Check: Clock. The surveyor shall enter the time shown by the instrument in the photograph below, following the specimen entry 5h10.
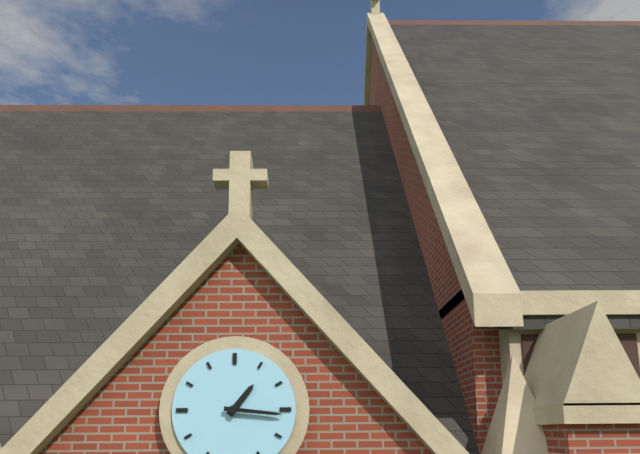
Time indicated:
1h16
